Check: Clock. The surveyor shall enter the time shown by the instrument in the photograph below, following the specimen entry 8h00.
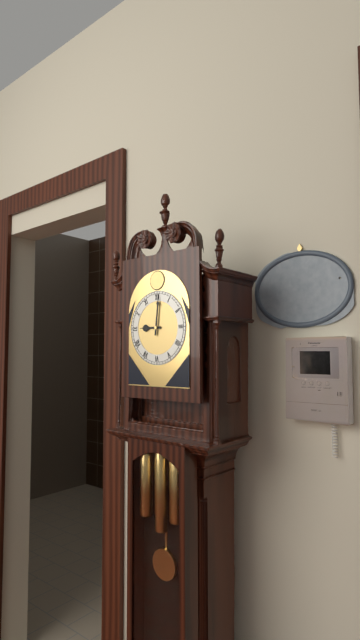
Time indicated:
9h01
